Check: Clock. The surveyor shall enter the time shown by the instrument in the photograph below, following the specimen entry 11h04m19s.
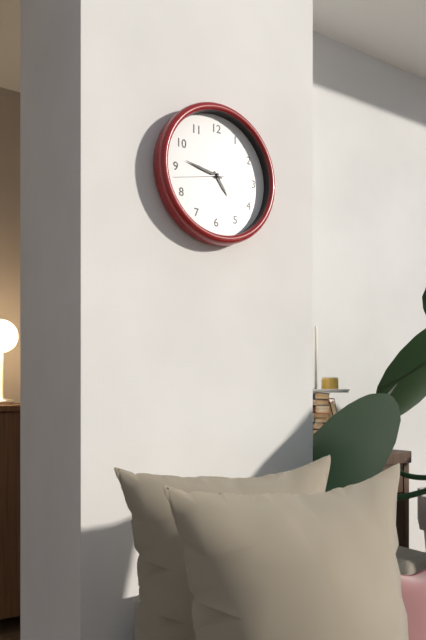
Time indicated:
4h47m43s
